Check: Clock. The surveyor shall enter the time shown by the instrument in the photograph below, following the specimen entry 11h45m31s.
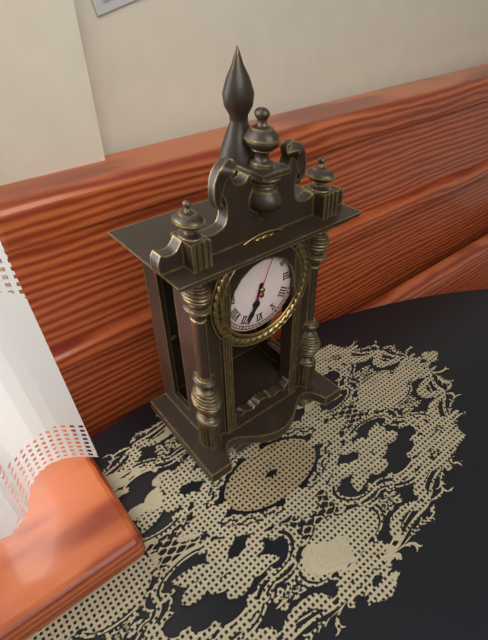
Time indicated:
6h34m04s
